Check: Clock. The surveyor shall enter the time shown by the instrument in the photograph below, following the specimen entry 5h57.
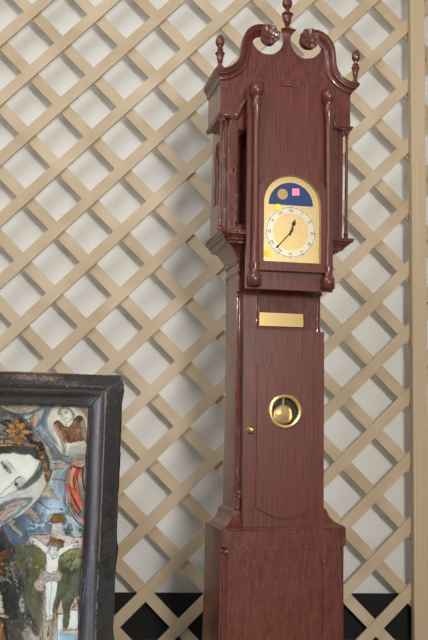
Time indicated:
12h37
